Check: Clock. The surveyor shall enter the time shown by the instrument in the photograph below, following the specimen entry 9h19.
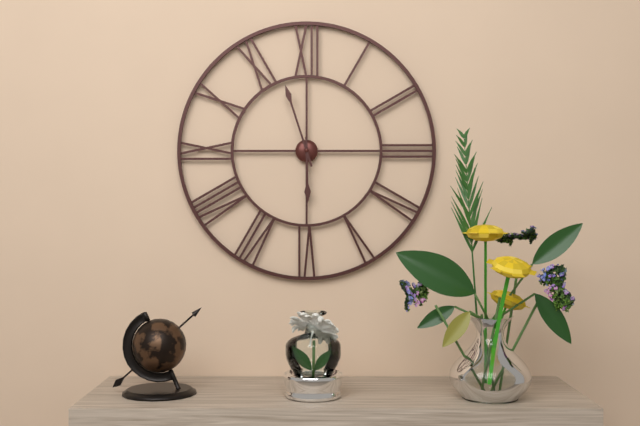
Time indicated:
5h57
